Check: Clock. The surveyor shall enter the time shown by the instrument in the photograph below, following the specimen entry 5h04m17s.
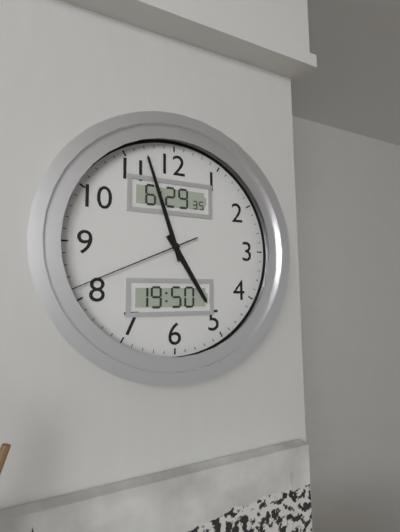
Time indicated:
4h57m41s
